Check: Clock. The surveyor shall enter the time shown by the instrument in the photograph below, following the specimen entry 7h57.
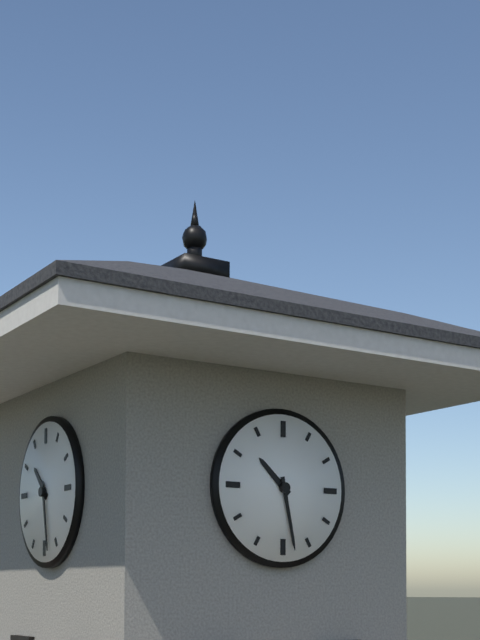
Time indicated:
10h28
